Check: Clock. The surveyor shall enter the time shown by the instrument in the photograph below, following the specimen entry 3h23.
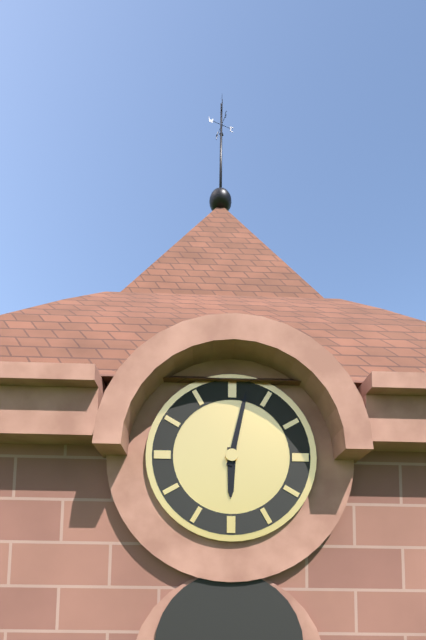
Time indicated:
6h02
